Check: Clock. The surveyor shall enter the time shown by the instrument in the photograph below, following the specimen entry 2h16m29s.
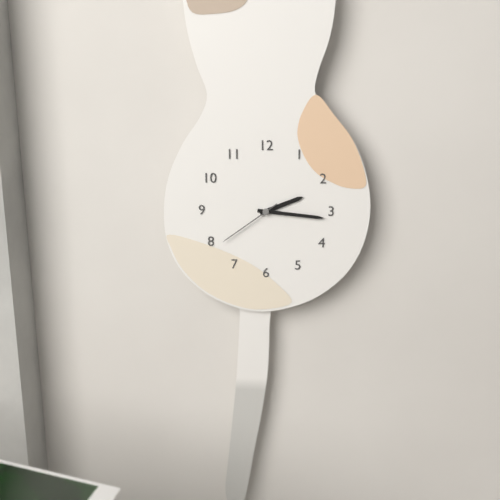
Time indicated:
2h16m39s
